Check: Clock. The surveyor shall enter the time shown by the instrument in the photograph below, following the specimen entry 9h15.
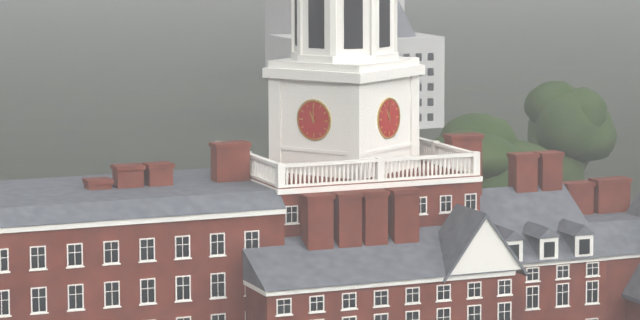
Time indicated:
11h00
